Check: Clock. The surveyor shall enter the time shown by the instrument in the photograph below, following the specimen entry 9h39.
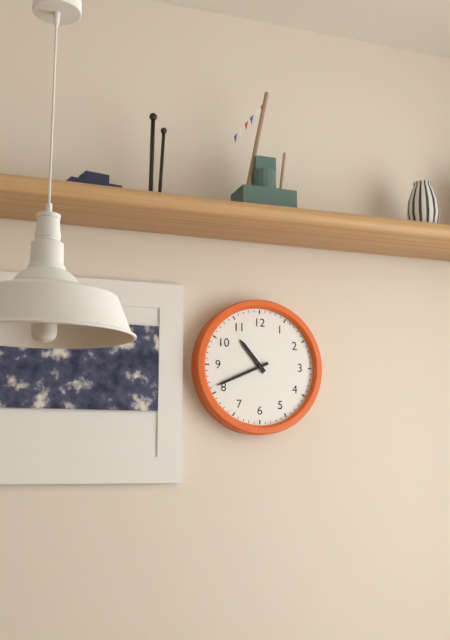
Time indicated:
10h41
